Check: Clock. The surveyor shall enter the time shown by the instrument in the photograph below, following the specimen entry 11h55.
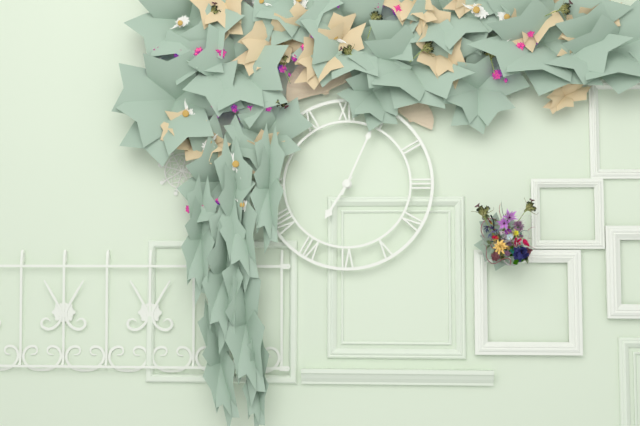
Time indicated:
7h04
